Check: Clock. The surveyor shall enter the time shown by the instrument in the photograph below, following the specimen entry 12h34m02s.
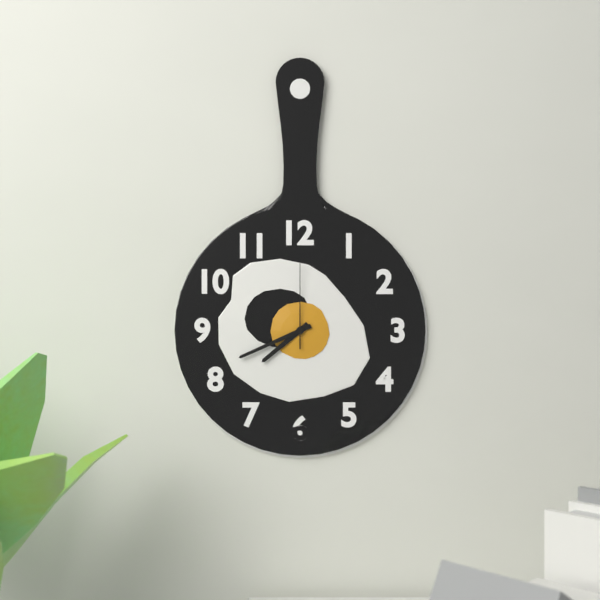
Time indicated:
7h41m00s
